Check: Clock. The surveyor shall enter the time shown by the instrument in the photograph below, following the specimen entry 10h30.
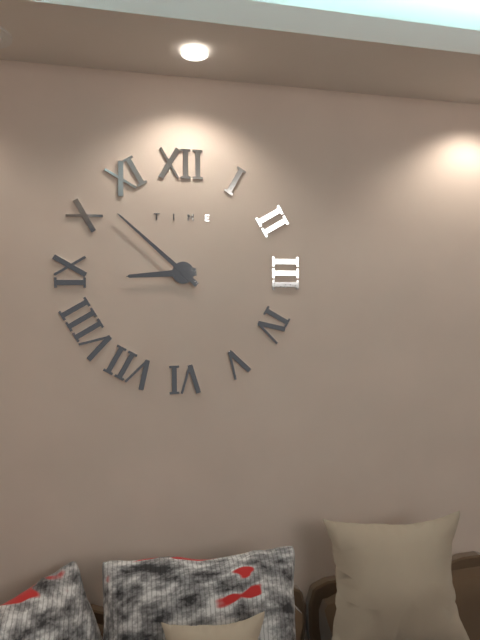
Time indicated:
8h52
